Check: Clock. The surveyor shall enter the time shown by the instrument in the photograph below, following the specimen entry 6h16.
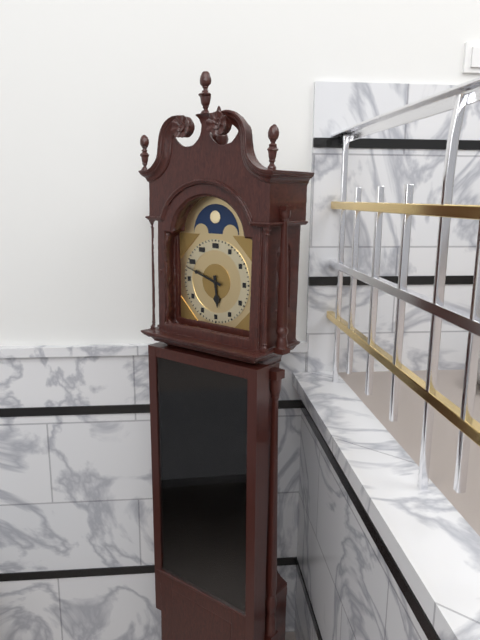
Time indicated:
5h48
